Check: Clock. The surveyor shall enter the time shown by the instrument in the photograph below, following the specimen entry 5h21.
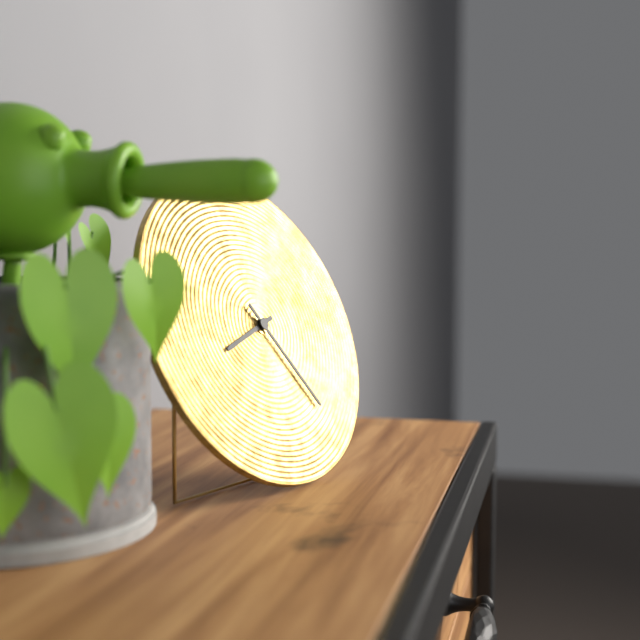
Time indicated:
8h25
